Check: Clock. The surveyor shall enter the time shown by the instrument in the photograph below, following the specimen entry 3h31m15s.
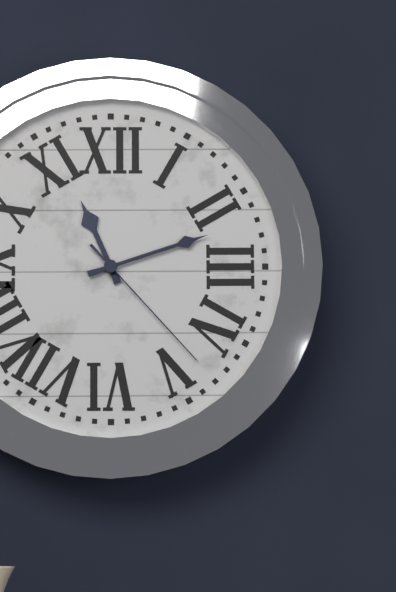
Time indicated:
11h12m23s
